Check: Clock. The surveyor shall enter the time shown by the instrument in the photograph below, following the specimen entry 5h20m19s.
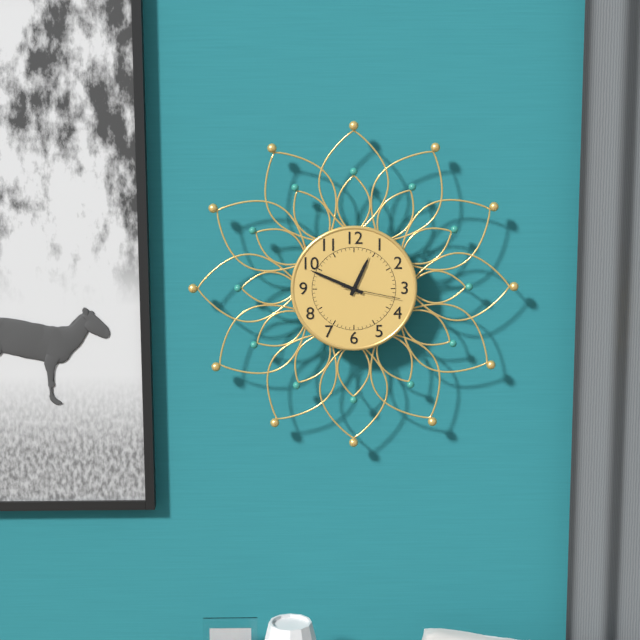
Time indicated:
12h49m17s
